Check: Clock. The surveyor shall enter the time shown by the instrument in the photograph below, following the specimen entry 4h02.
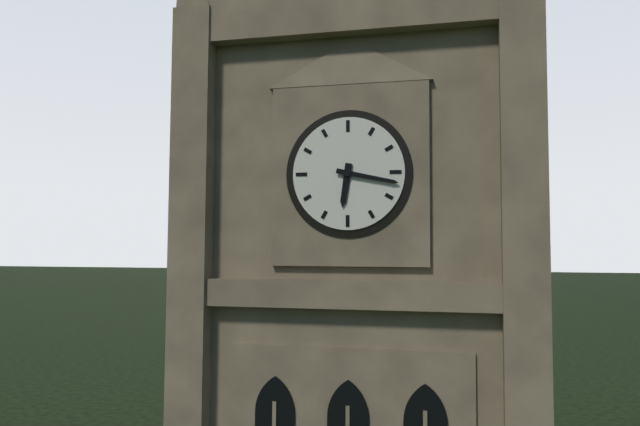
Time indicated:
6h17
